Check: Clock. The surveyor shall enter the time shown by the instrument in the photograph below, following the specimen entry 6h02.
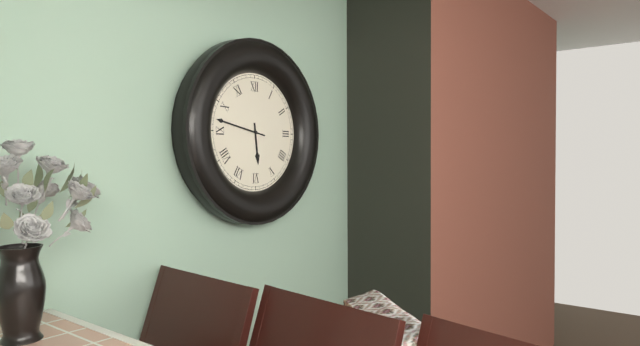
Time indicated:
5h47
